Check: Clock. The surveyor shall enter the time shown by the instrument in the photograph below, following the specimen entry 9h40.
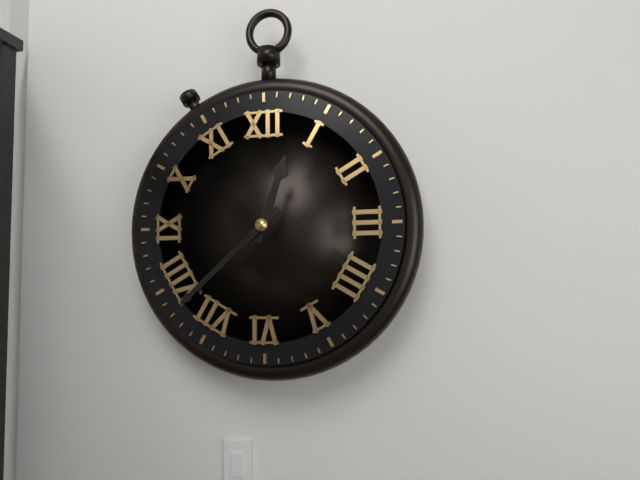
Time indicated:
12h38
